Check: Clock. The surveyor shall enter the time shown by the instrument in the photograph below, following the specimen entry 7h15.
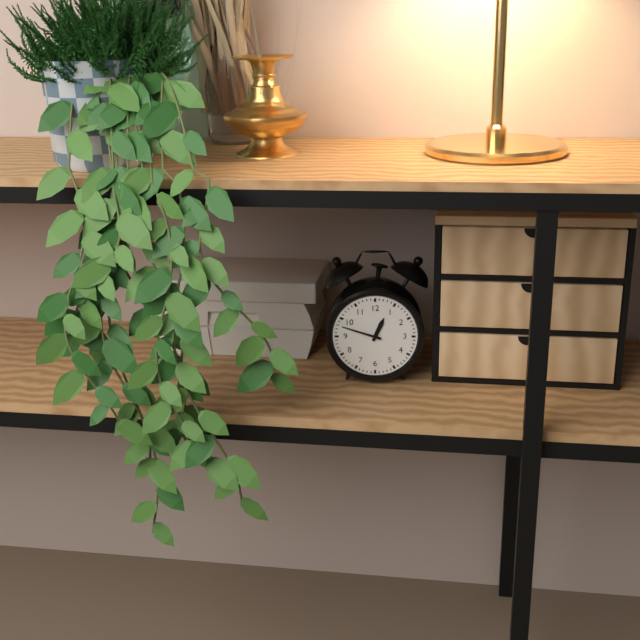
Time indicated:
12h48
